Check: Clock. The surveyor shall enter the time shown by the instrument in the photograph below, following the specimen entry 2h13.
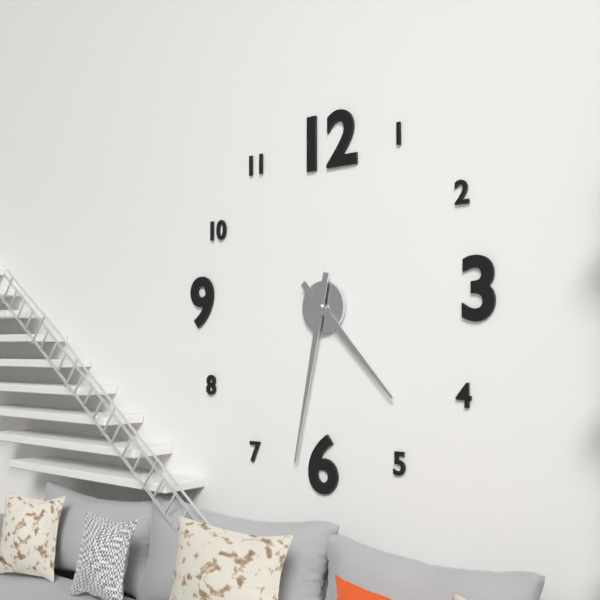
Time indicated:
4h32
